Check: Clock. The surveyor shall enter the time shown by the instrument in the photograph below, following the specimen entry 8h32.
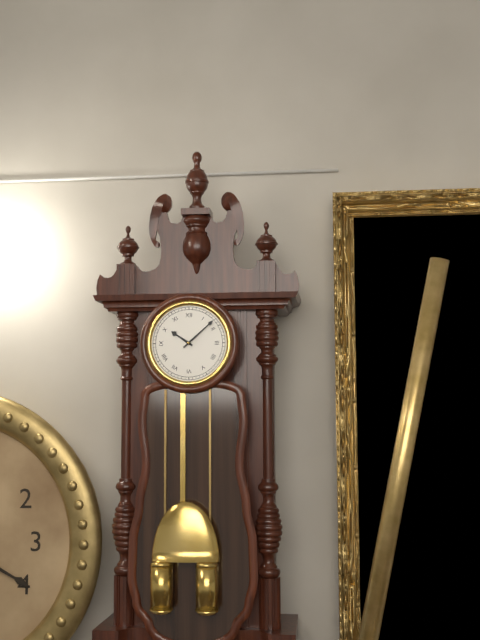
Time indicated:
10h08
